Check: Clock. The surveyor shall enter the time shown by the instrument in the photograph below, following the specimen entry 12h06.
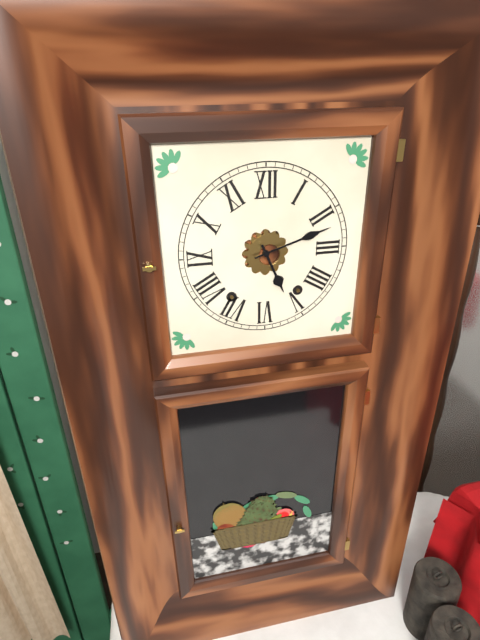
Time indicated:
5h12
